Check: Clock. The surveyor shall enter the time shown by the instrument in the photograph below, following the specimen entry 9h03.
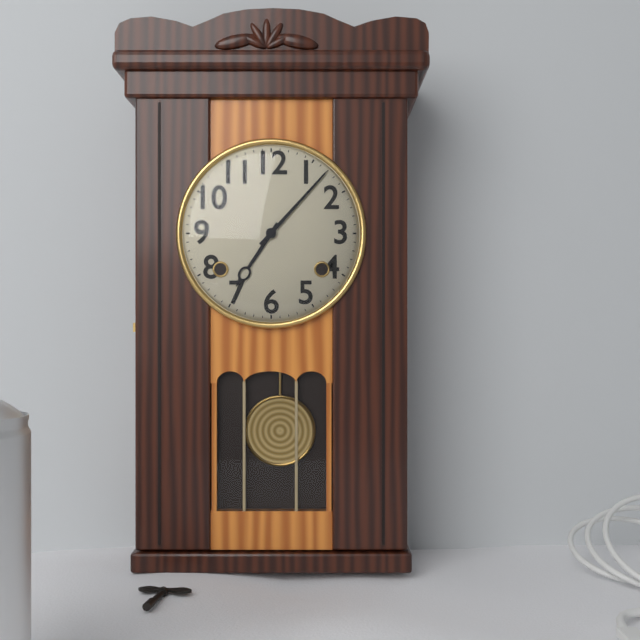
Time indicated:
7h07
